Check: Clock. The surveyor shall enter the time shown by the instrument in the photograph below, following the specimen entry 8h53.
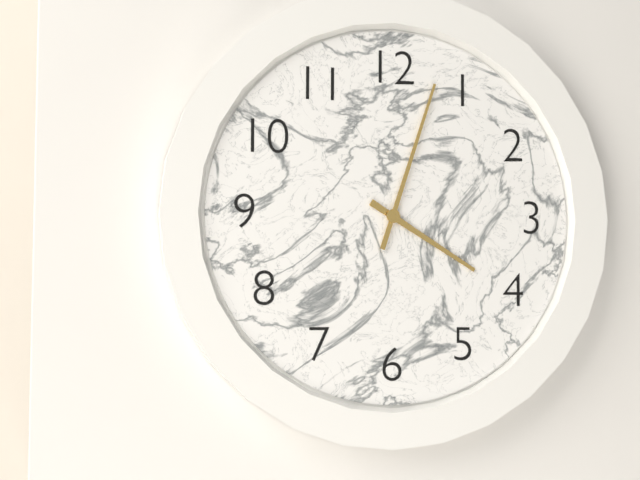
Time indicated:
4h03
